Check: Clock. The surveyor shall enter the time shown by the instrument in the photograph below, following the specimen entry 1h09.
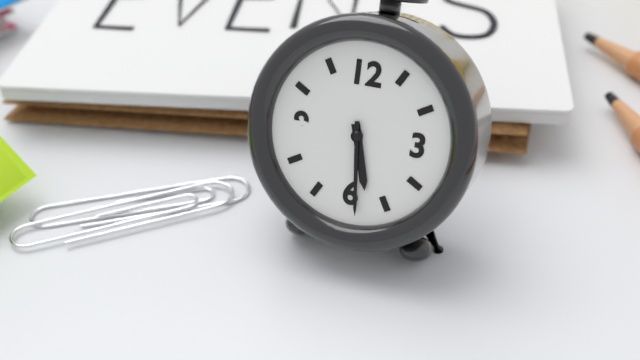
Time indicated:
5h29
